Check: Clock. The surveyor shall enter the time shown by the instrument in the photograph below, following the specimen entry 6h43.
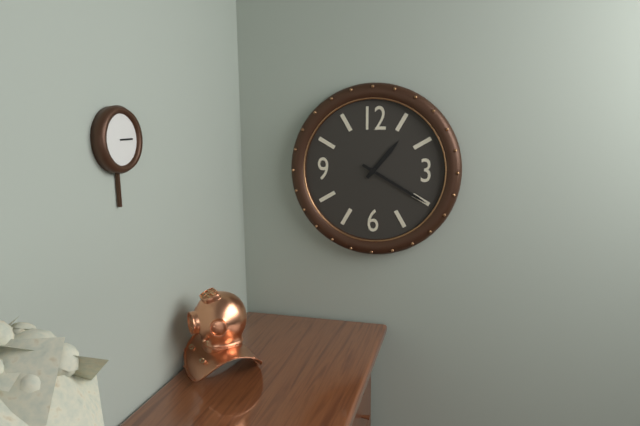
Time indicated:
1h20
